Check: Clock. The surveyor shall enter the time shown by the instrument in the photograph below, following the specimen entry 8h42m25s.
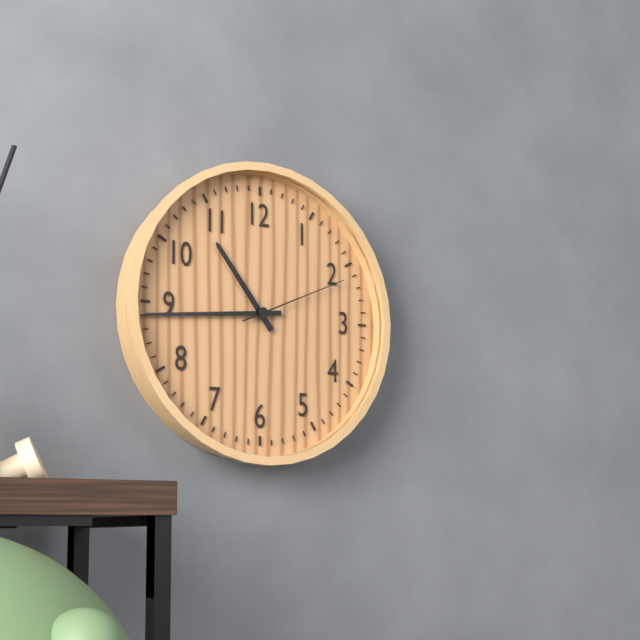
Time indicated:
10h44m11s
